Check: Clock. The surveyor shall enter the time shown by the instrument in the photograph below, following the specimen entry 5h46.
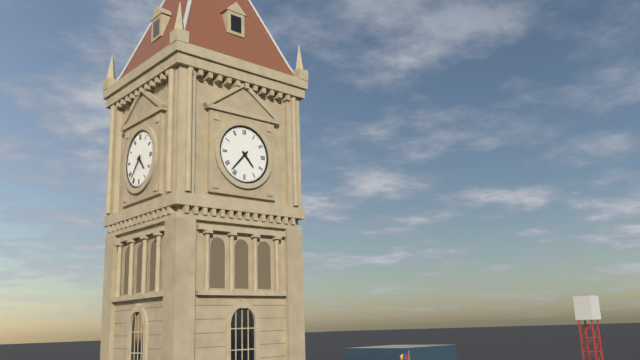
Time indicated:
4h37
